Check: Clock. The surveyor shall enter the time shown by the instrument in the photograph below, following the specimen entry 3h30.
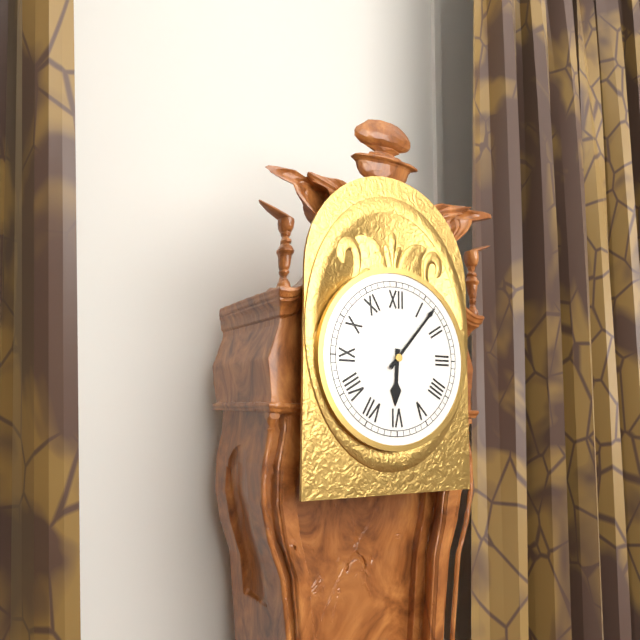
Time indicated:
6h07
